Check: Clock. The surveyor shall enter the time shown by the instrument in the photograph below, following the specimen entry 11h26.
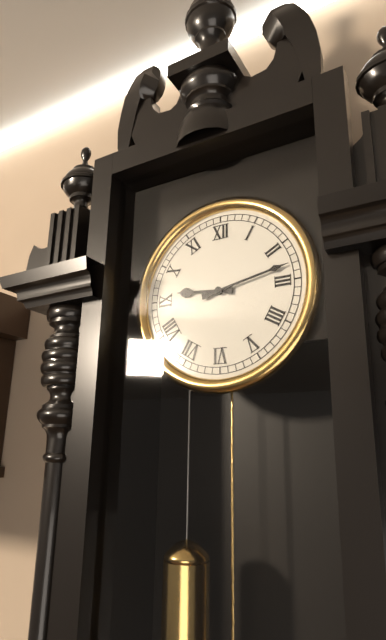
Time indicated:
9h13
